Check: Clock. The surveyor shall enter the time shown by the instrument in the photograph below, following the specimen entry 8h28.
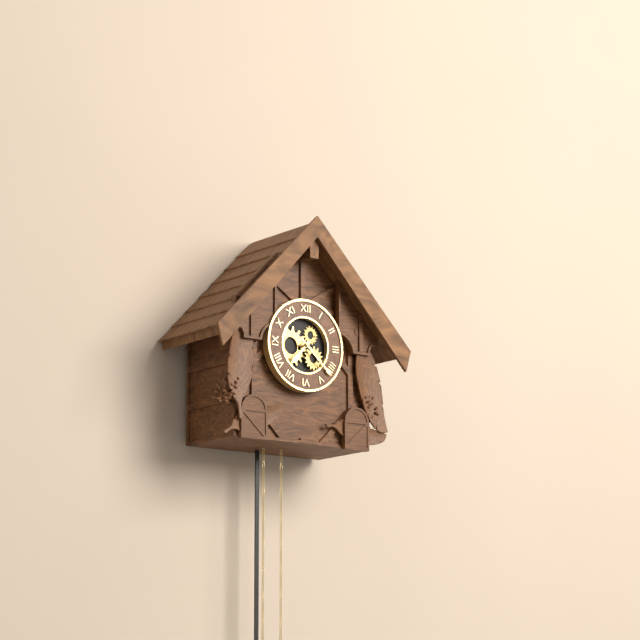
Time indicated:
7h22
